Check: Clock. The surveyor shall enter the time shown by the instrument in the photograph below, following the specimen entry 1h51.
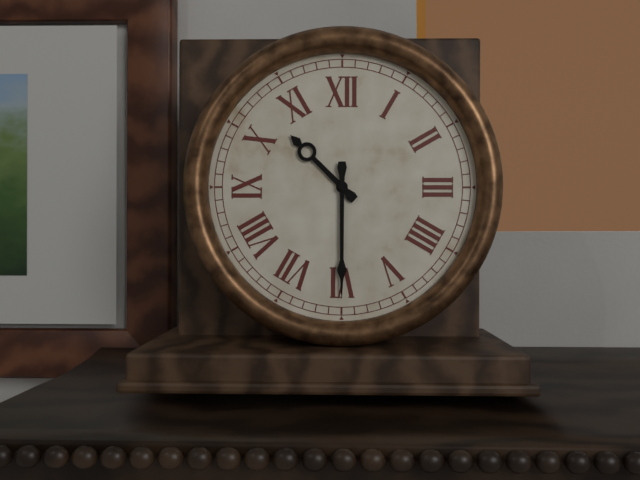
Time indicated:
10h30
